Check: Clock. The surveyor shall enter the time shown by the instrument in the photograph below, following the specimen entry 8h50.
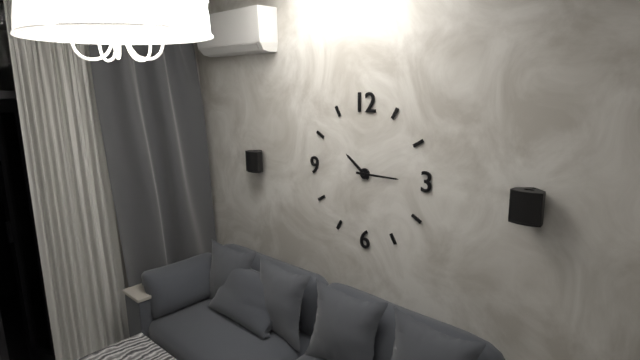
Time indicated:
10h15
